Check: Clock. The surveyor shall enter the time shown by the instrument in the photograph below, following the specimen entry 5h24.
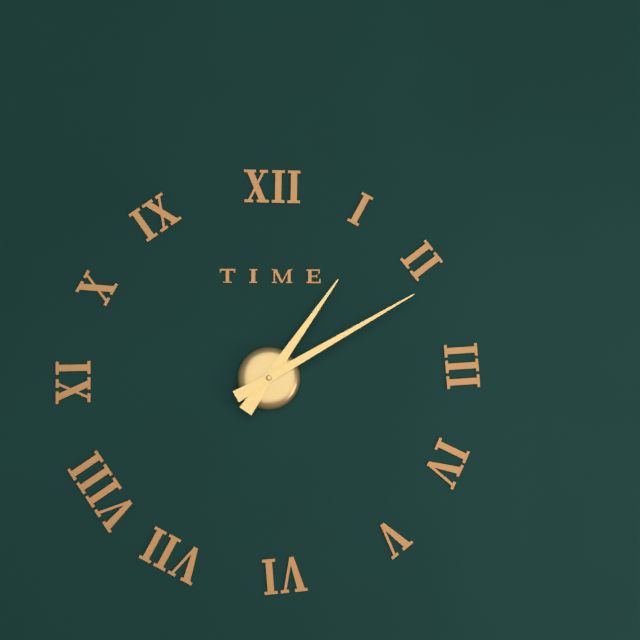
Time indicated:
1h10
